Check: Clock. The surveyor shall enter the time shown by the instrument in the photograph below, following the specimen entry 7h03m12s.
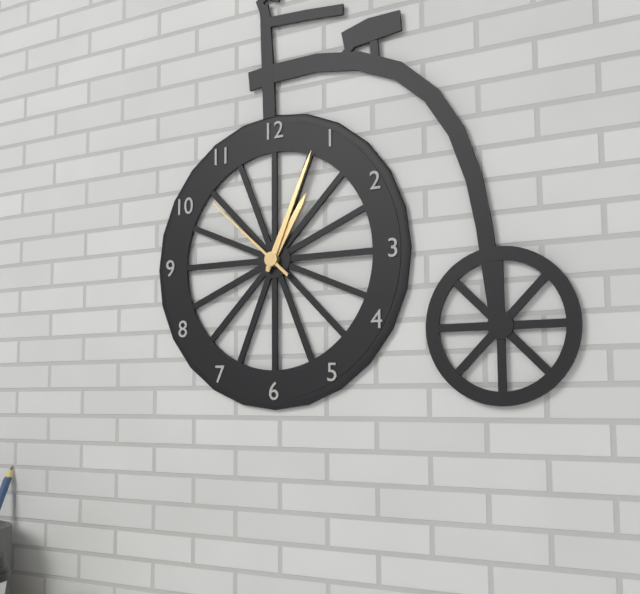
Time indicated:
1h04m52s
